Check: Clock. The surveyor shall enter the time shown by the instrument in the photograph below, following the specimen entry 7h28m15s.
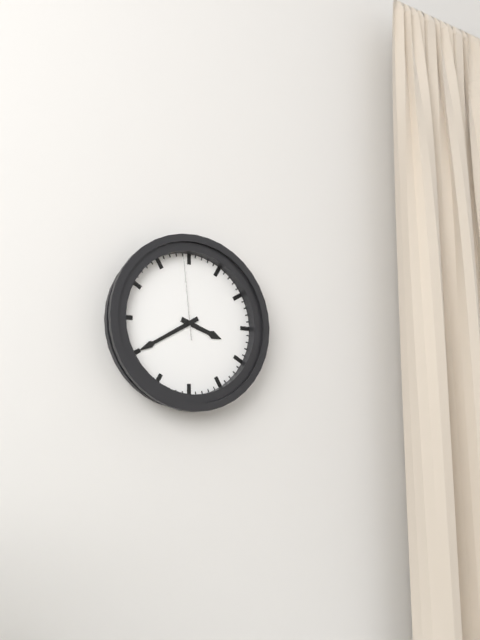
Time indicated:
3h40m59s
